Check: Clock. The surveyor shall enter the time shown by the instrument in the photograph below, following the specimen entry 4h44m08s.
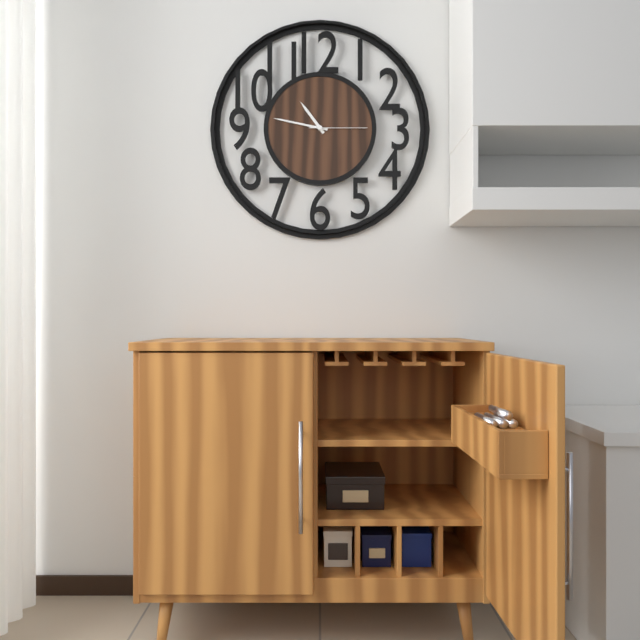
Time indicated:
10h47m15s
